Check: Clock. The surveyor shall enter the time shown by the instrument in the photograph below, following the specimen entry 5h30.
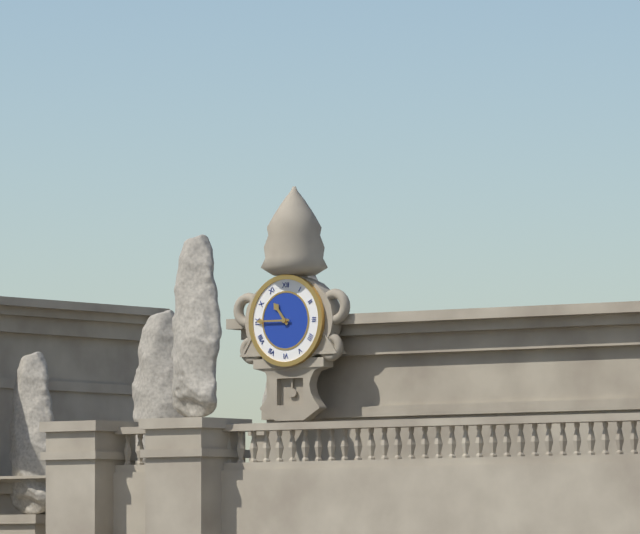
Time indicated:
10h45
